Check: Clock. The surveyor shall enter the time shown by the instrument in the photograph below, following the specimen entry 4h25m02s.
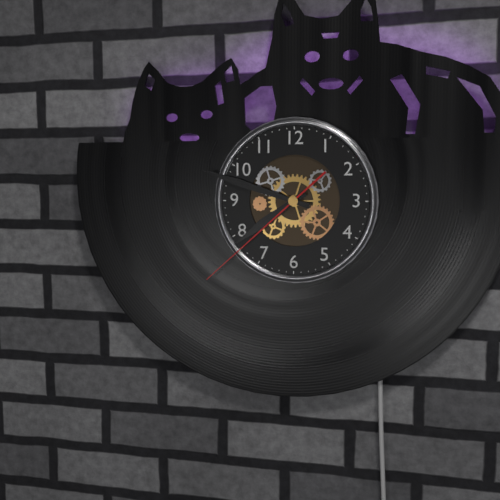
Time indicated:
7h48m38s
